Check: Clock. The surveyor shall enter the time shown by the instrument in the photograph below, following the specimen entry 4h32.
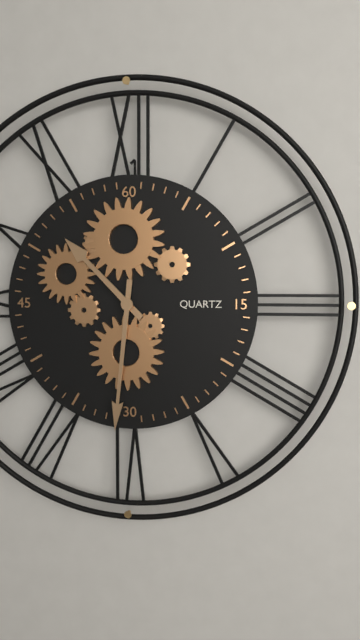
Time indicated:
10h31
